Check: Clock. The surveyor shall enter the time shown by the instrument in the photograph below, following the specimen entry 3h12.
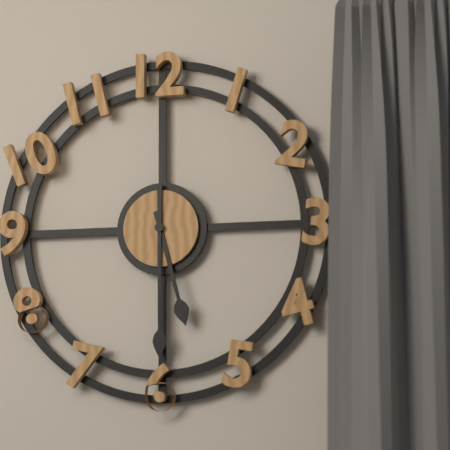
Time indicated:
5h30
